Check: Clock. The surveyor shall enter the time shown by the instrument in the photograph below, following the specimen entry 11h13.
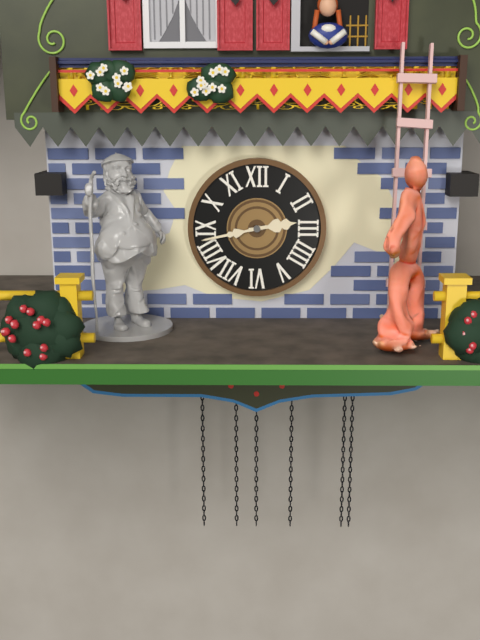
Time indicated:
2h43
